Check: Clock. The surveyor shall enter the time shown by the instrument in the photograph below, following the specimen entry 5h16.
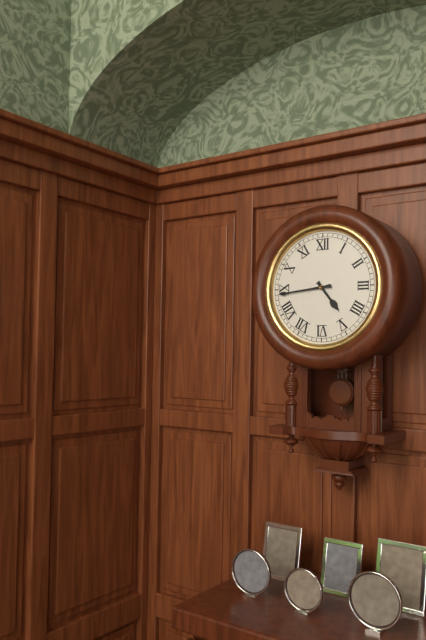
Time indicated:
4h44
